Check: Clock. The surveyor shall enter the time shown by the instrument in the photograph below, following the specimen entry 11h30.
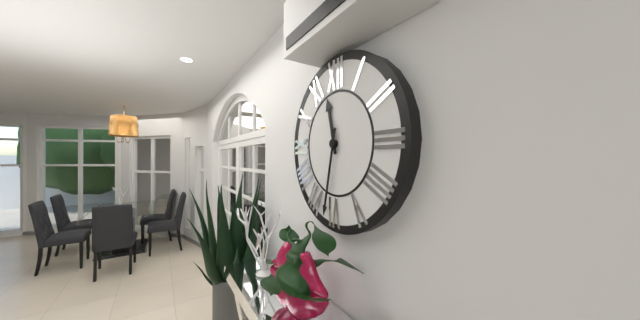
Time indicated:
11h32
